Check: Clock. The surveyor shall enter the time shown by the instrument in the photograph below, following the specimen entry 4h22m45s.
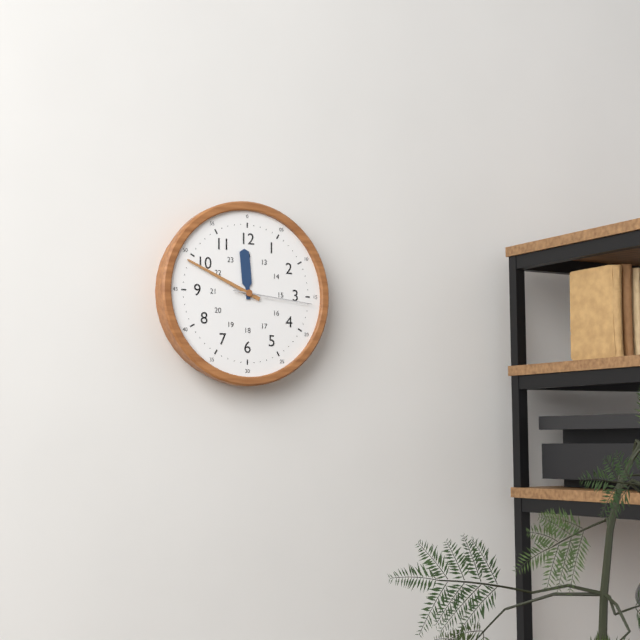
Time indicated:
11h49m16s
